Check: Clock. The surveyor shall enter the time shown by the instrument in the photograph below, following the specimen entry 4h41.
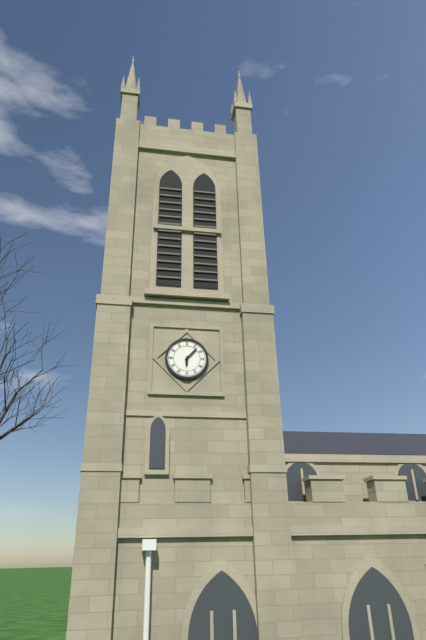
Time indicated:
6h07
